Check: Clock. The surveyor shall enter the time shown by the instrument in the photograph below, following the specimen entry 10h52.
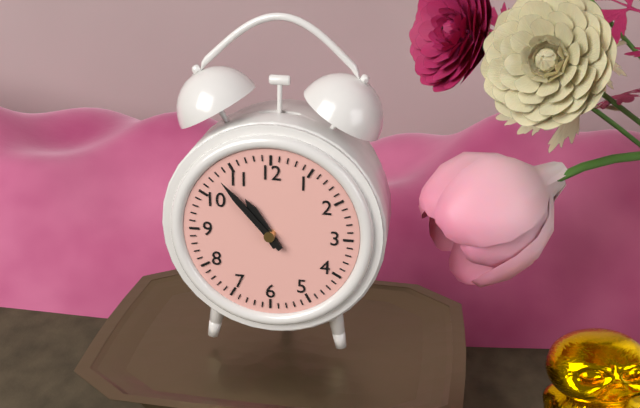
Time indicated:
10h53
